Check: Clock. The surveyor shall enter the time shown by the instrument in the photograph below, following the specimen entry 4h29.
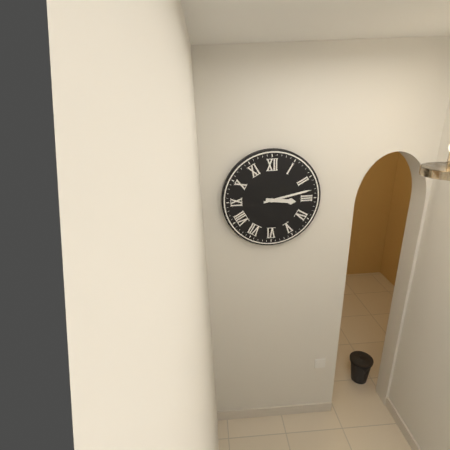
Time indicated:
3h13
